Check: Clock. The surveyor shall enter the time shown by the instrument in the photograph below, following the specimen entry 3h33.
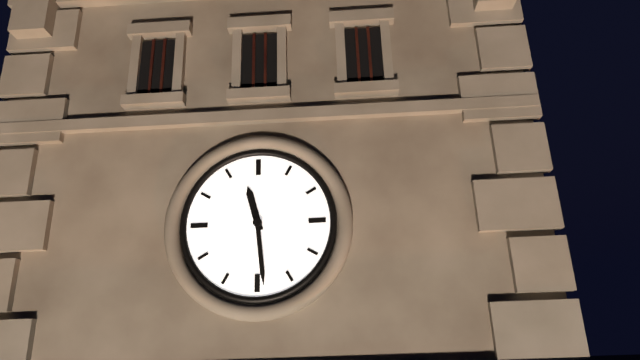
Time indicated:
11h29
